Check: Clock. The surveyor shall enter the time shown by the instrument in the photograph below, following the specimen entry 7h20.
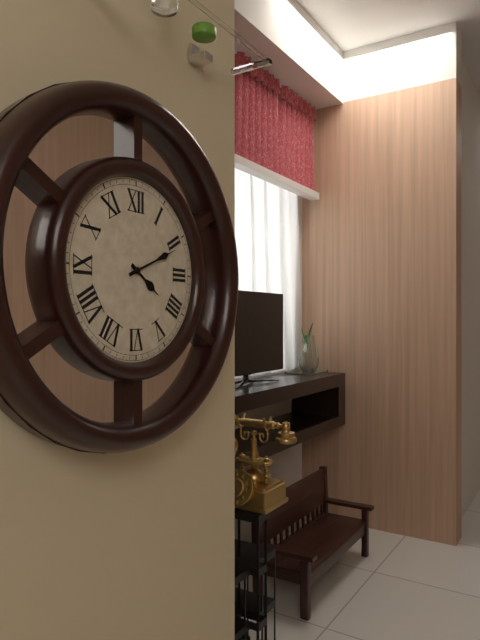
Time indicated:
4h11
